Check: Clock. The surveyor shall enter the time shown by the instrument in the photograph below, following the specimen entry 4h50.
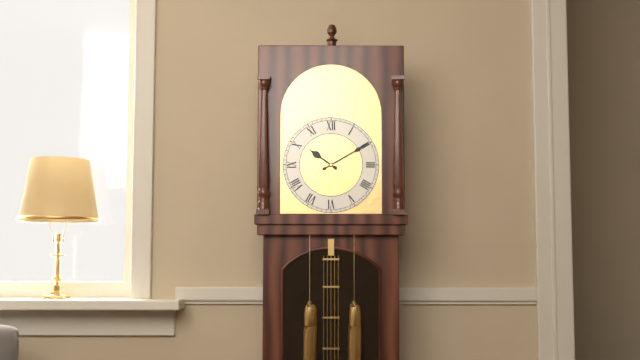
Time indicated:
10h10
